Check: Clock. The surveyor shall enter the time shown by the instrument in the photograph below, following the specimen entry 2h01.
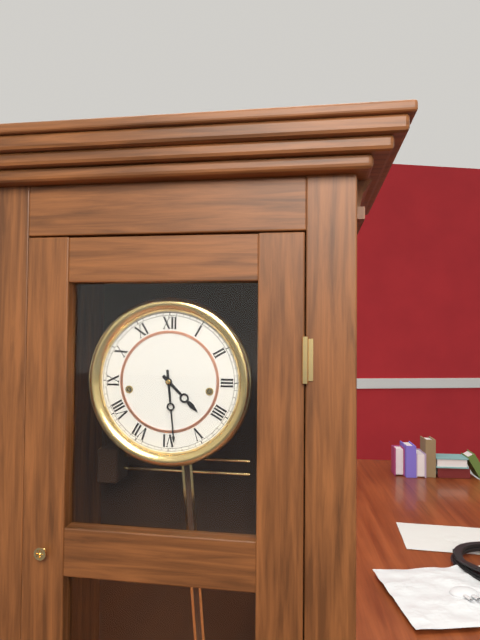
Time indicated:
4h29
